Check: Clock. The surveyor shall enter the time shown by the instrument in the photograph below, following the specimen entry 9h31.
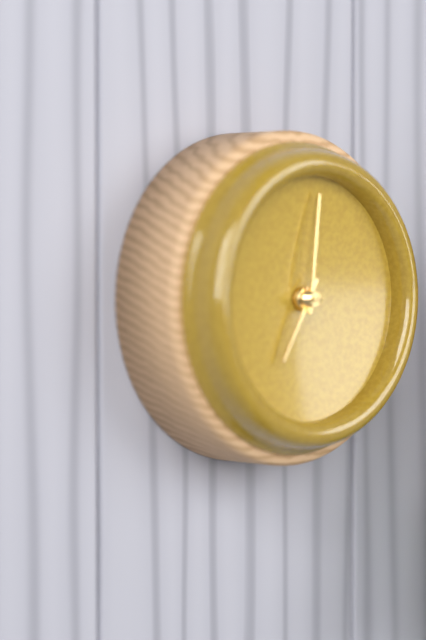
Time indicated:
7h01
